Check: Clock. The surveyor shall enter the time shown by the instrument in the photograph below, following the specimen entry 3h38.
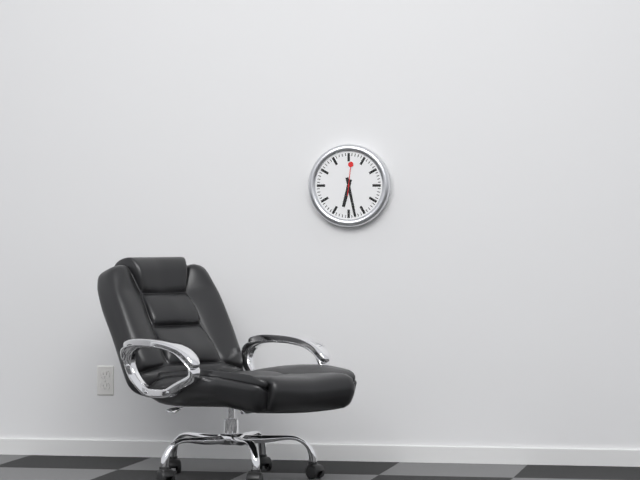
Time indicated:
6h28
